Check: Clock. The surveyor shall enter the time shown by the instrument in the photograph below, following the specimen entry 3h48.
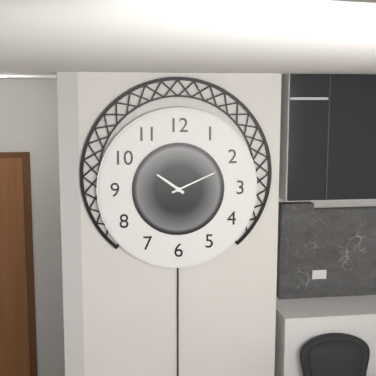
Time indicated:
10h11
